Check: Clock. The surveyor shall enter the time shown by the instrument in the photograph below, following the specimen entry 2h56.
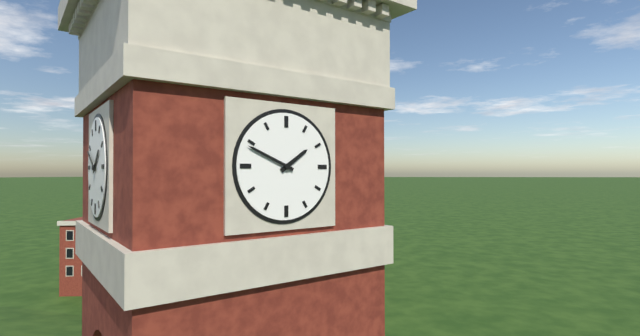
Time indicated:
1h49
